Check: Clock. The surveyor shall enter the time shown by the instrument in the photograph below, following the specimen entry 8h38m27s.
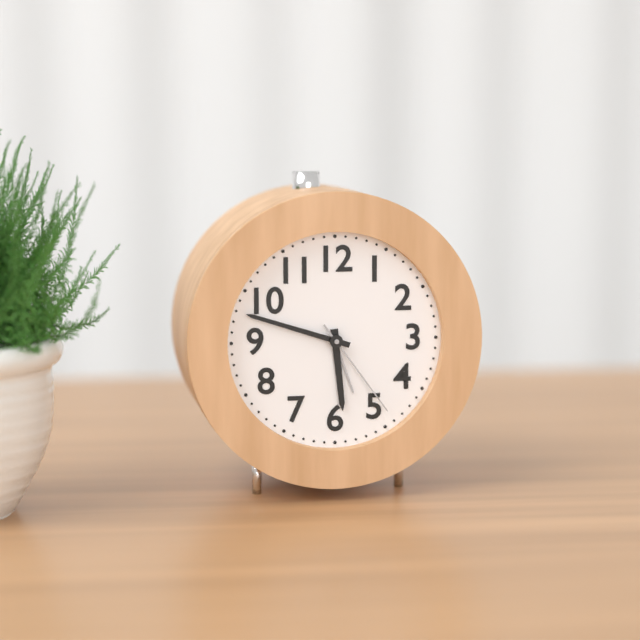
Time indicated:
5h48m24s
